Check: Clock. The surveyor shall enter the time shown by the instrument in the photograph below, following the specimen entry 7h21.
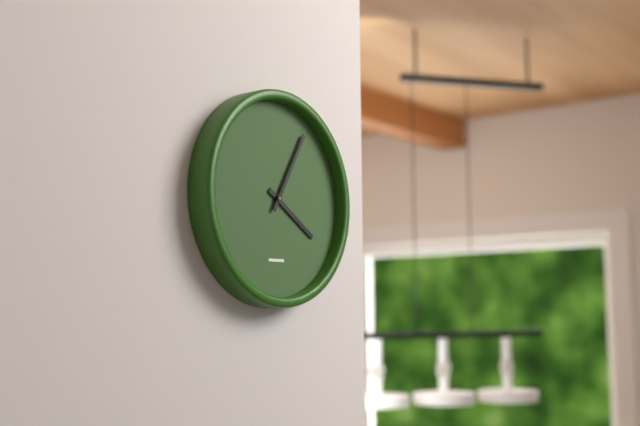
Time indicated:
4h05
